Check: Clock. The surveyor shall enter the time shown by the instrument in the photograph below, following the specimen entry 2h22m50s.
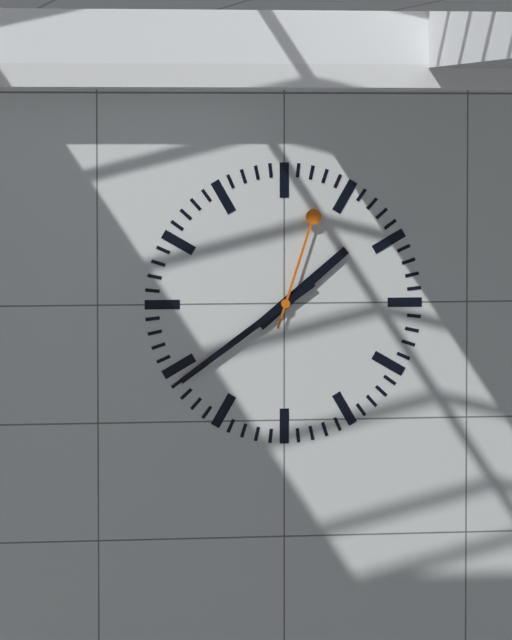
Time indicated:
1h39m03s
